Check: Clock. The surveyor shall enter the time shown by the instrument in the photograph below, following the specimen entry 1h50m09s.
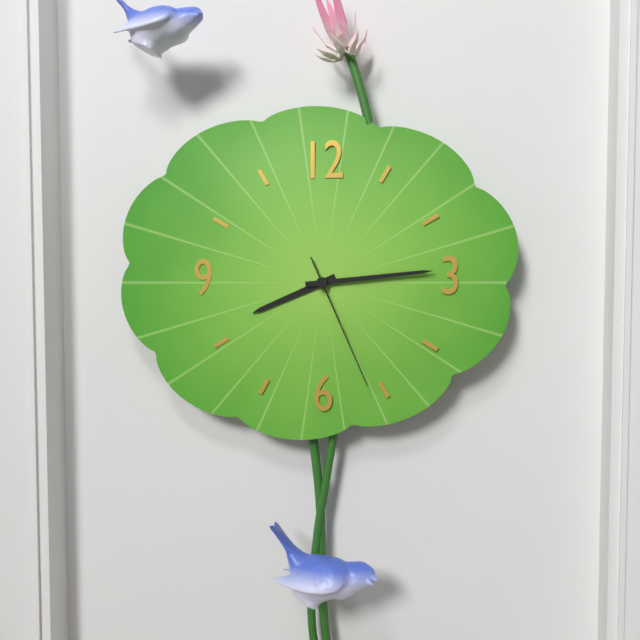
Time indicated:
8h14m26s
